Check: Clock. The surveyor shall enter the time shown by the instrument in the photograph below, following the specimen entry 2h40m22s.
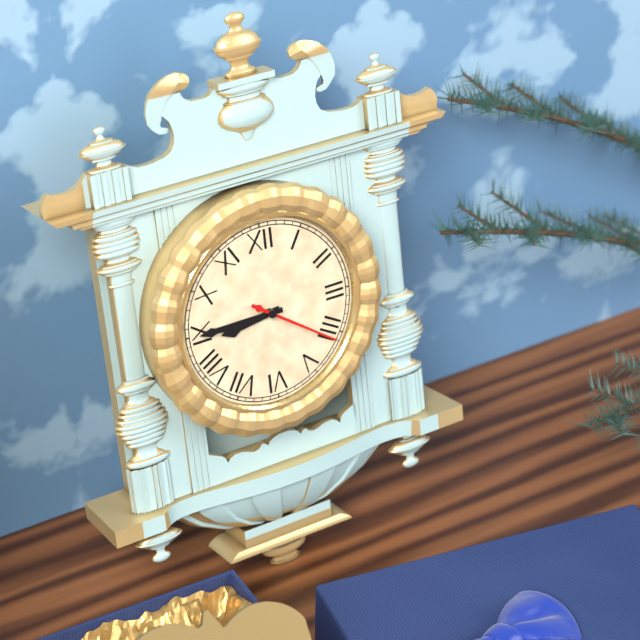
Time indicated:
8h45m21s
